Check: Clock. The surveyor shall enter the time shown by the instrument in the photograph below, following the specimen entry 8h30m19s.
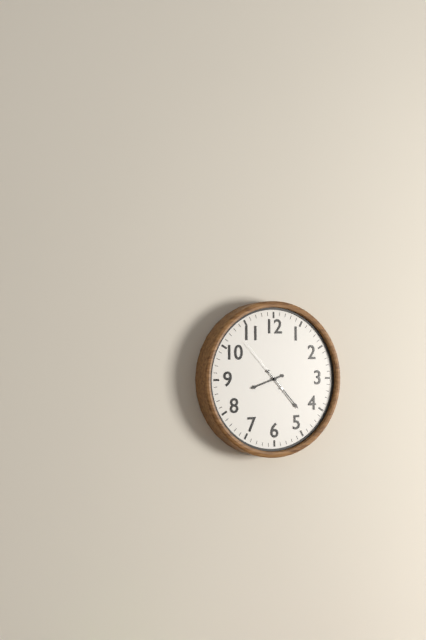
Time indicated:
8h23m53s
